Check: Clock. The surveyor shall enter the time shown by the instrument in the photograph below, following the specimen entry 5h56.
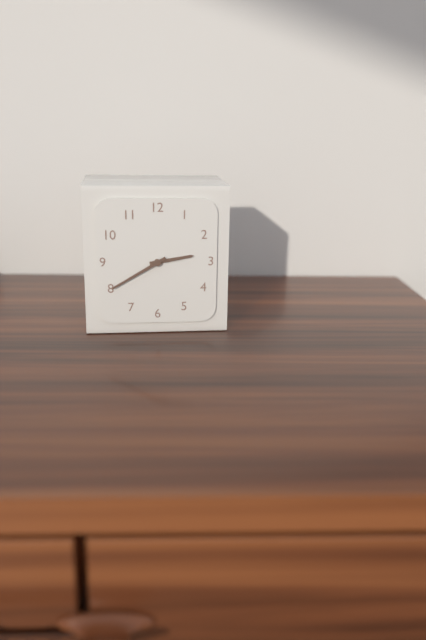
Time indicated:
2h40
